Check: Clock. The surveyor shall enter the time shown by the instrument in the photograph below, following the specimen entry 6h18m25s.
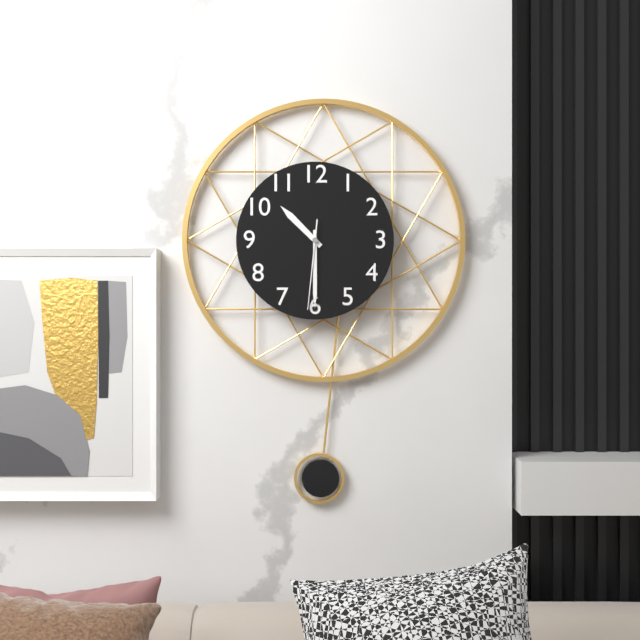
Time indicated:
10h30m31s
